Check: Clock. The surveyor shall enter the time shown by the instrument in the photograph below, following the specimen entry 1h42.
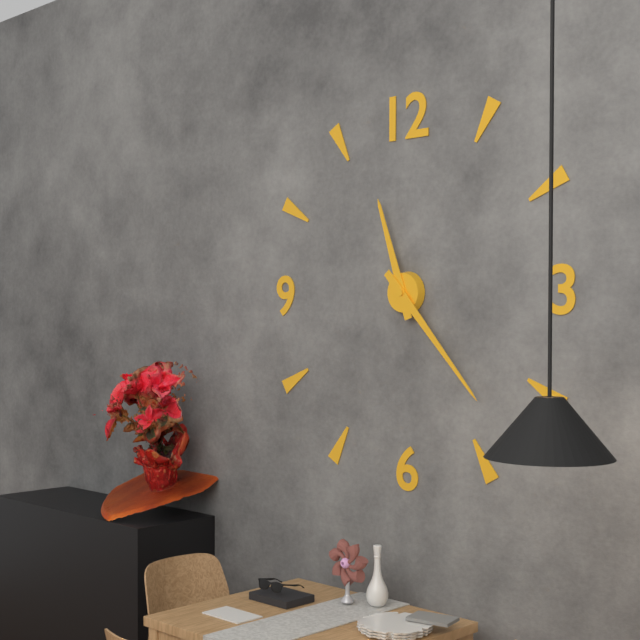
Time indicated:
11h23
